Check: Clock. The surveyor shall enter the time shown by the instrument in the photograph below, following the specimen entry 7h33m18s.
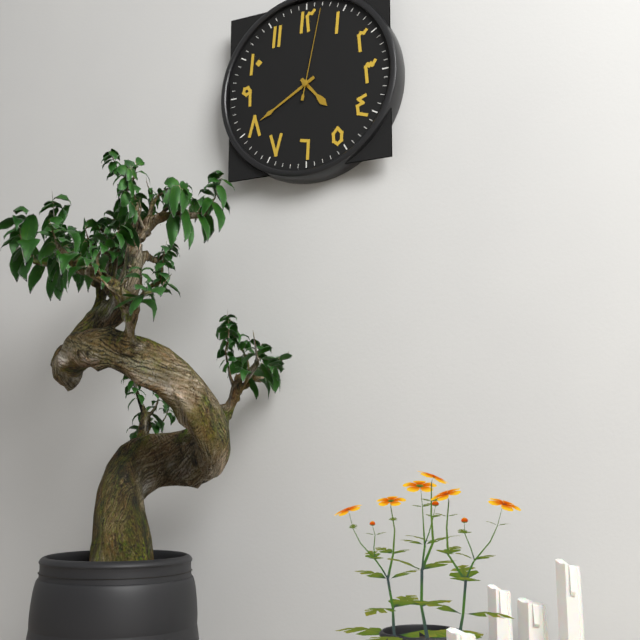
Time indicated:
4h40m02s
